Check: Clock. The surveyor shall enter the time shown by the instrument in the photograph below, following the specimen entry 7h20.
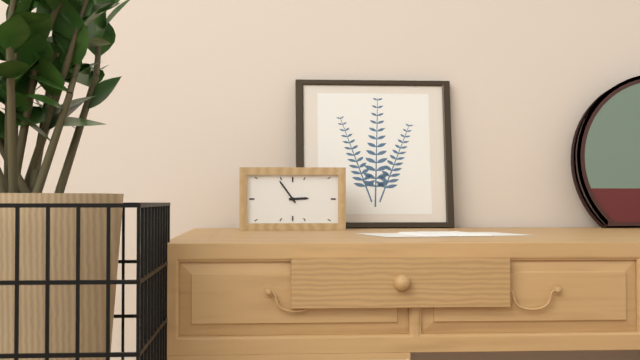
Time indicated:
2h54
